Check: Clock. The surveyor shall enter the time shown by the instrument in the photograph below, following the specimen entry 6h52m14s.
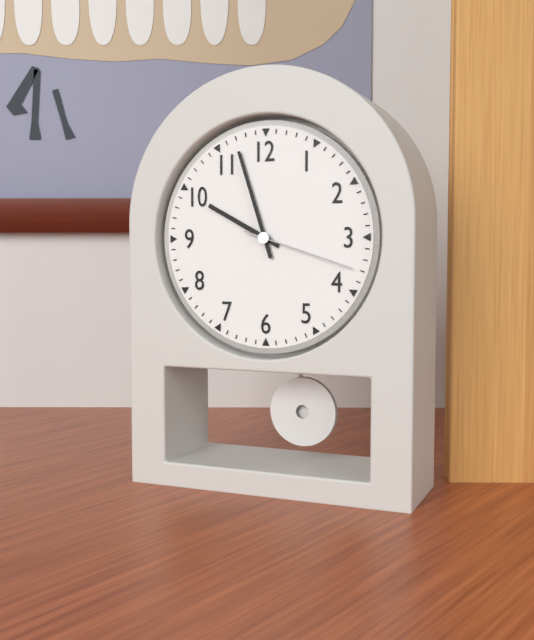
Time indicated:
9h57m18s
